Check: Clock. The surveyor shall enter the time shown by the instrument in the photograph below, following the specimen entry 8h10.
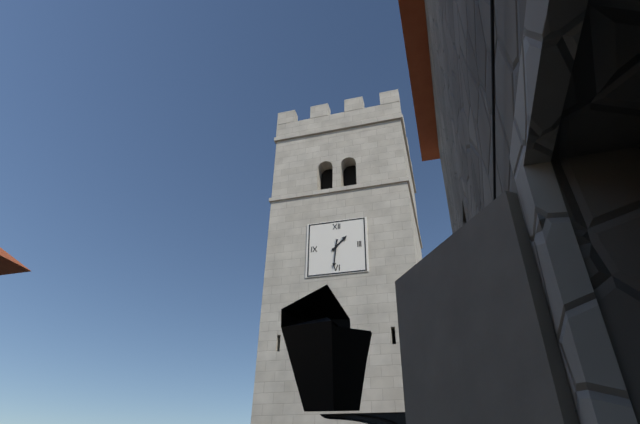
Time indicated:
1h31
